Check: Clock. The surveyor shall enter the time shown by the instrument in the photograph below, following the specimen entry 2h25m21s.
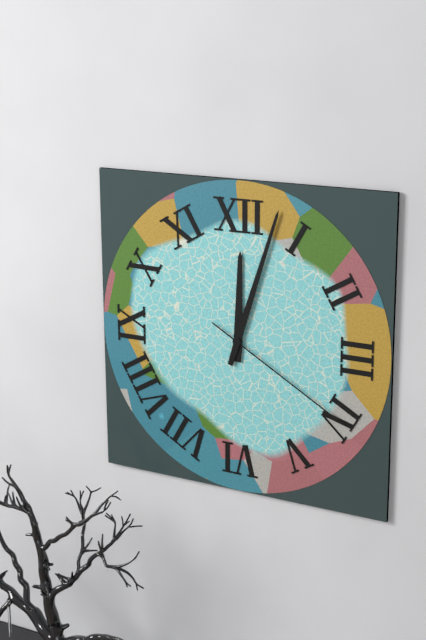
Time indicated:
12h03m20s
